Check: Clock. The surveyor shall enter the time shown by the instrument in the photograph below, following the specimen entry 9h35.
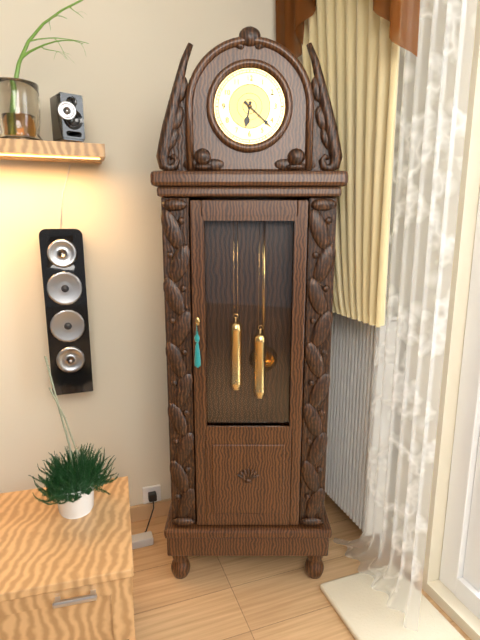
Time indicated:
6h22
